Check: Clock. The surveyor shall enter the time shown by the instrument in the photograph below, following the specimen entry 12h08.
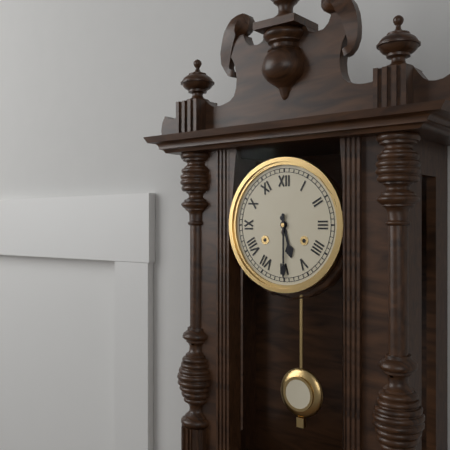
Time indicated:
5h30
